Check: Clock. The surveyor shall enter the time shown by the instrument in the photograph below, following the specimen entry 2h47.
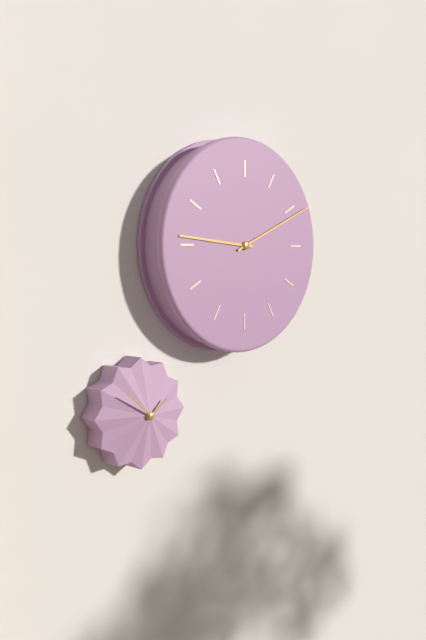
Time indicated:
9h11
